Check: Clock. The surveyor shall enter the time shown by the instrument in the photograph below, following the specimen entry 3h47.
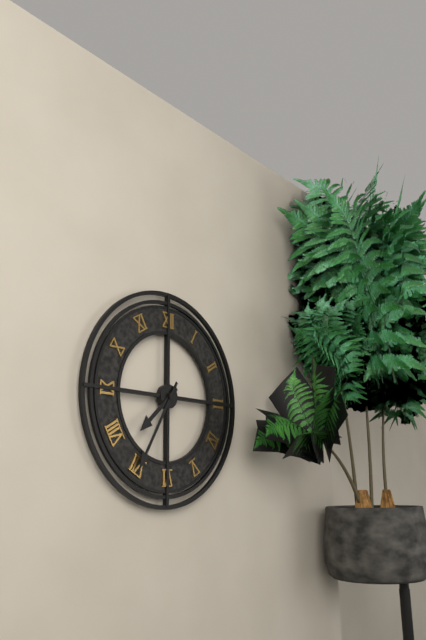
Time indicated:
7h35
